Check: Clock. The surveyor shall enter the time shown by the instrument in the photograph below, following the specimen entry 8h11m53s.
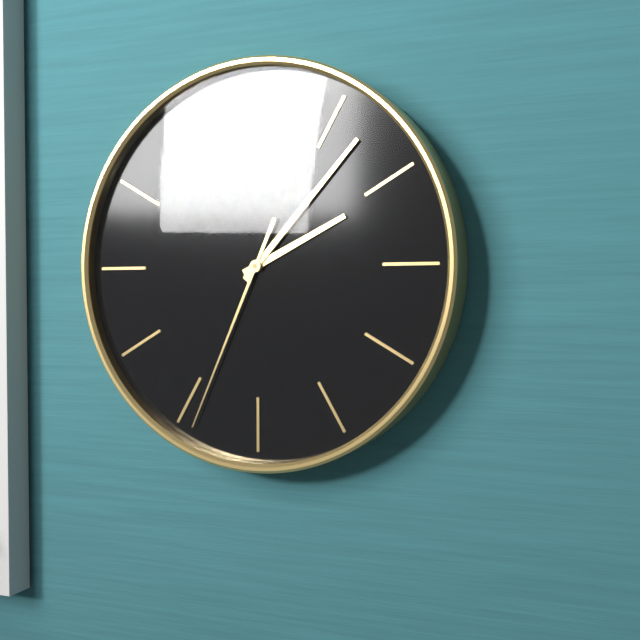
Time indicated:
2h07m34s
